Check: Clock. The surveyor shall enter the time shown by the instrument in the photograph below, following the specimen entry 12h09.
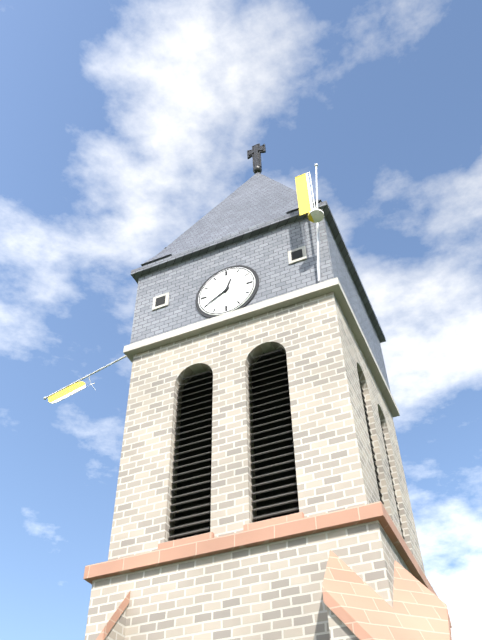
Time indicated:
12h40
